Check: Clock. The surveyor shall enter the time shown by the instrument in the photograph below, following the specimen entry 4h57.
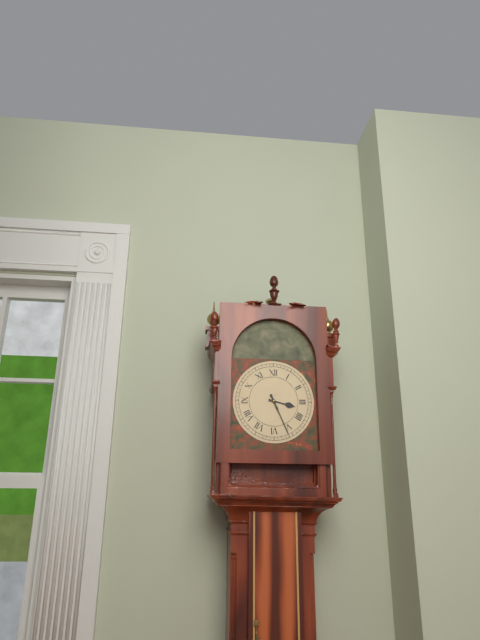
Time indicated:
3h26
